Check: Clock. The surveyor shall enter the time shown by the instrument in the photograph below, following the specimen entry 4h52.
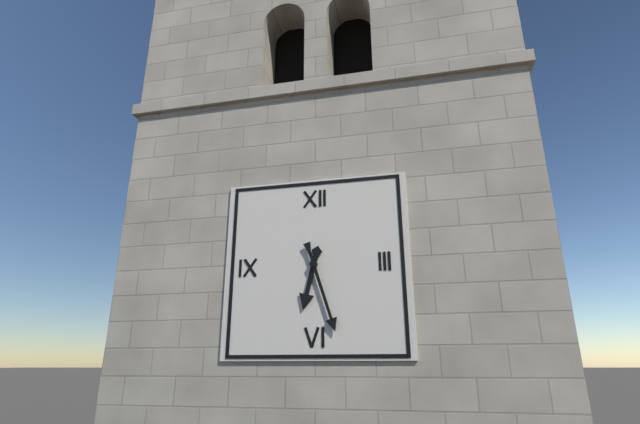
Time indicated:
6h27
